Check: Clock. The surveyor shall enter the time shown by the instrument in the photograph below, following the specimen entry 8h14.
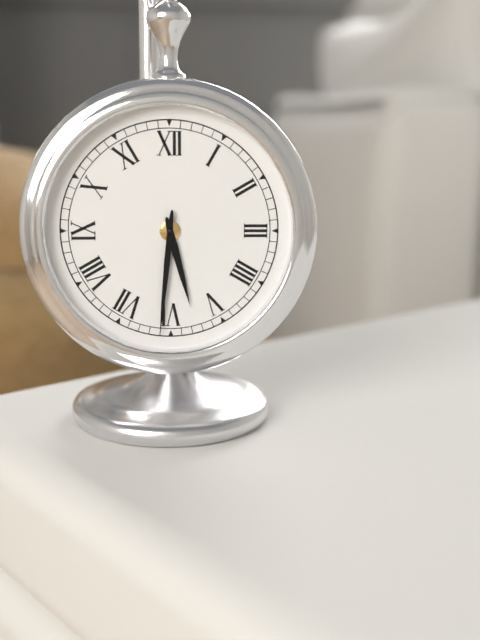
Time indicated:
5h31
